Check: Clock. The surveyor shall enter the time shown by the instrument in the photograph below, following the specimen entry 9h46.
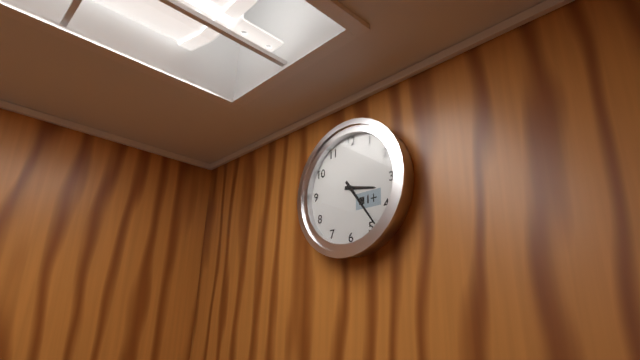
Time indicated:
3h24
